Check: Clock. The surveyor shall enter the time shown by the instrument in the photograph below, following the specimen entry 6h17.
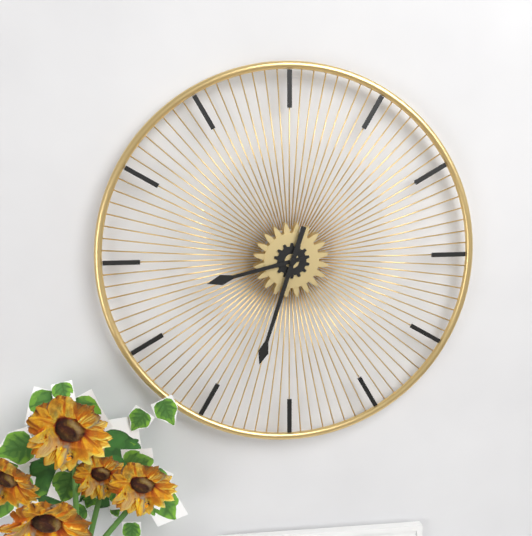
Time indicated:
8h33
